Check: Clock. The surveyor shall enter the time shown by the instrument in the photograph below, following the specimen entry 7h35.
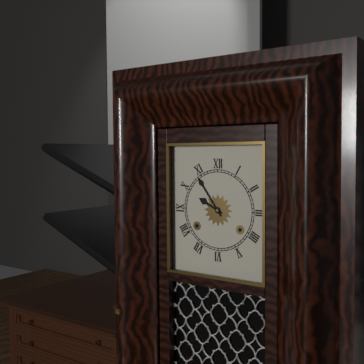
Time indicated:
9h54
